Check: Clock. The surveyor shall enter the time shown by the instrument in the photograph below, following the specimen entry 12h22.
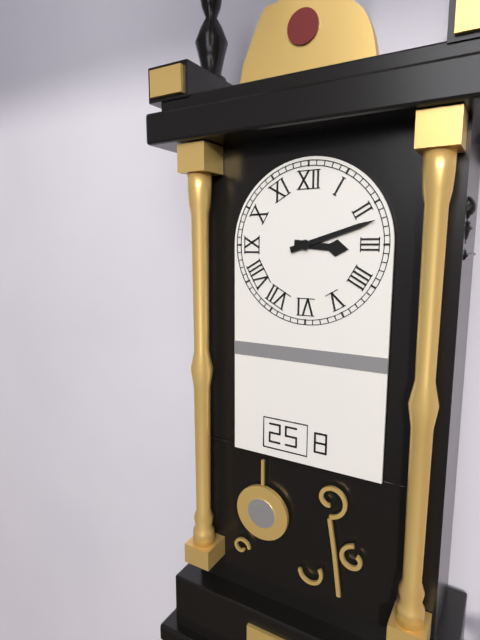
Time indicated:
3h12
